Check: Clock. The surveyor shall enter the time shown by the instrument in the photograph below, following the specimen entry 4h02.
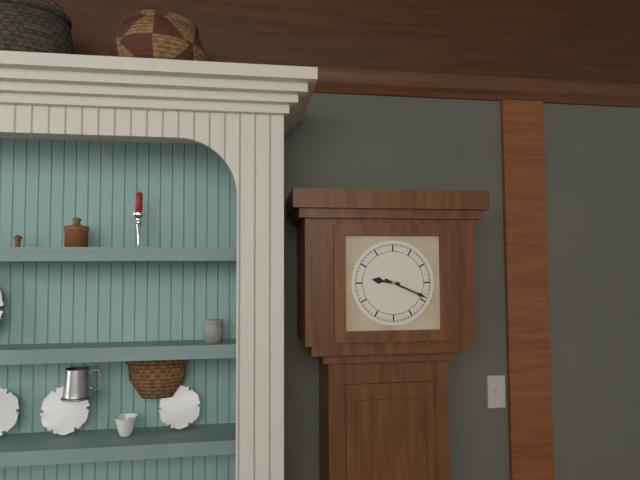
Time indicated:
9h19
